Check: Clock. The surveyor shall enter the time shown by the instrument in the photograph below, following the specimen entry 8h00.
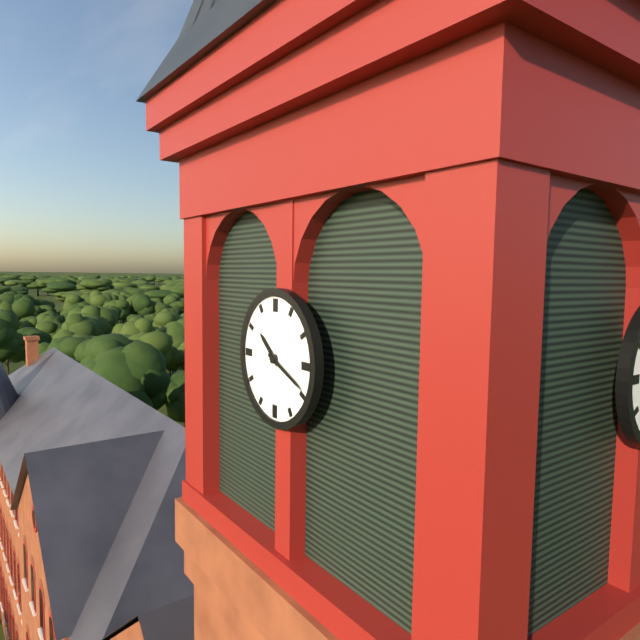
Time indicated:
10h19
